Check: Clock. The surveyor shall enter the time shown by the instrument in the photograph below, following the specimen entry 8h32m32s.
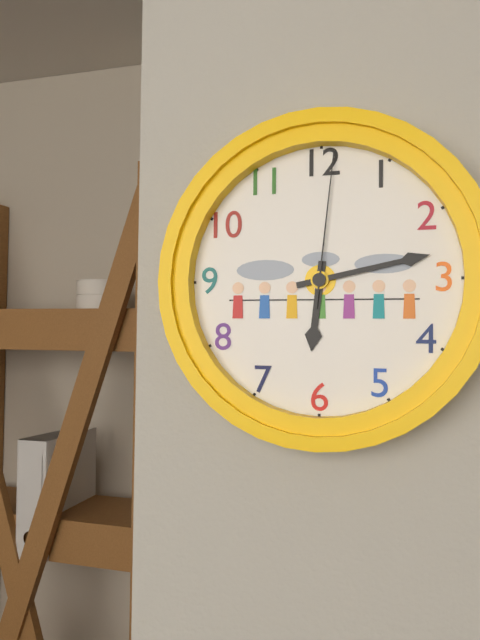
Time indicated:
6h13m01s
